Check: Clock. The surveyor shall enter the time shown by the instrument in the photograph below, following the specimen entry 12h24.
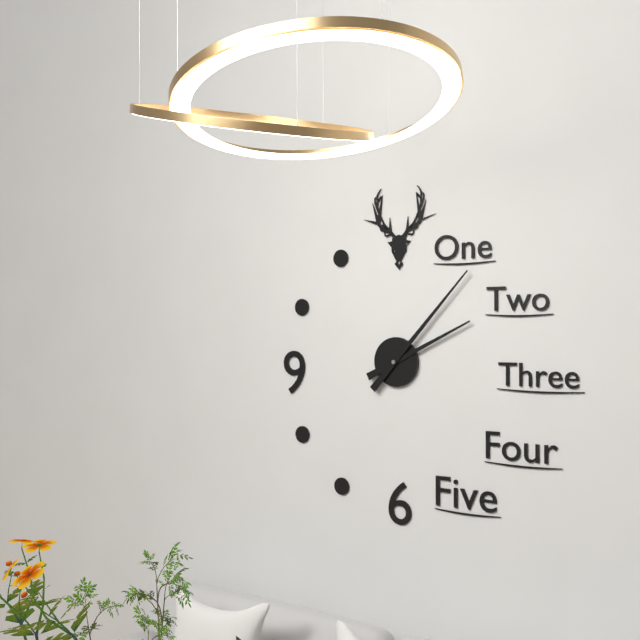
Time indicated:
2h07
